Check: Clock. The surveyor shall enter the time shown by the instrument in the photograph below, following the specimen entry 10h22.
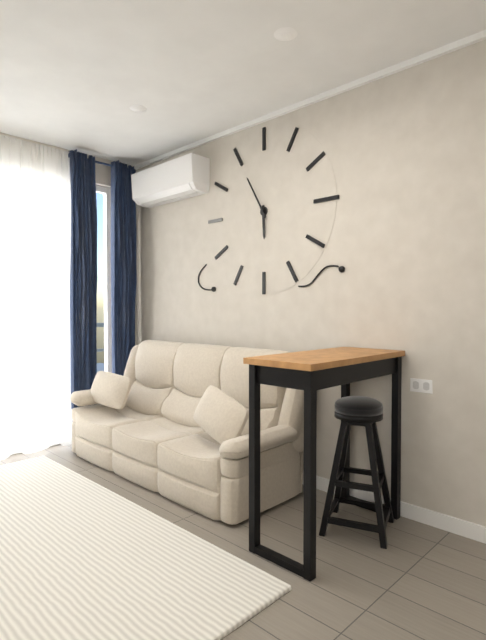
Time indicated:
5h55
